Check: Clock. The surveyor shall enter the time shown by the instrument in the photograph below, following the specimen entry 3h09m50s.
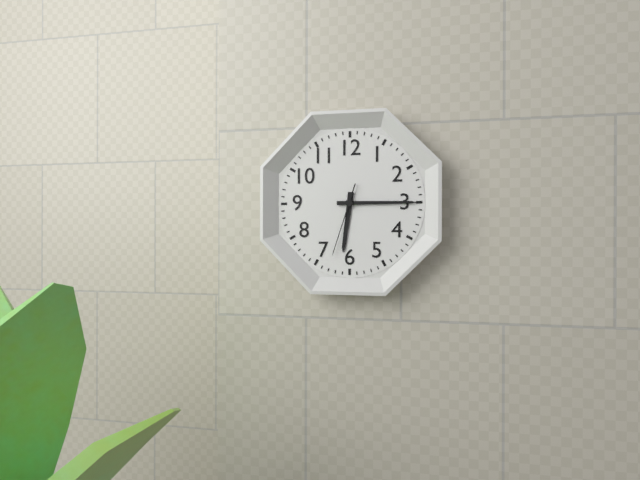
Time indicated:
6h15m33s
